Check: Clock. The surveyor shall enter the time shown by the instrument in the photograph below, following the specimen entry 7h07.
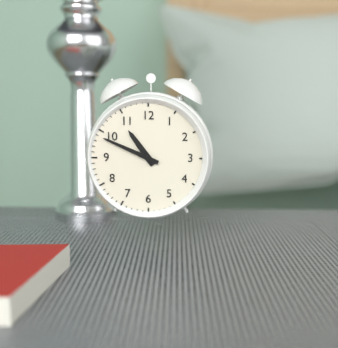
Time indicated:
10h49
